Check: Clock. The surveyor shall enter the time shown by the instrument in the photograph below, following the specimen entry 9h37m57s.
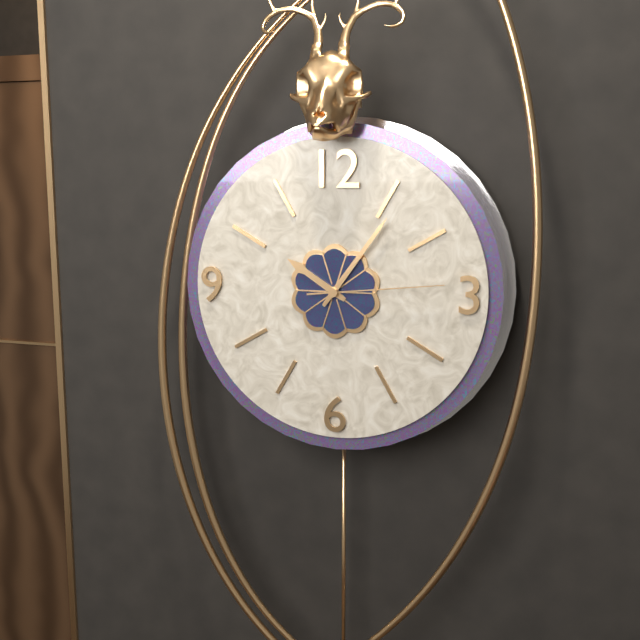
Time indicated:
10h06m14s
